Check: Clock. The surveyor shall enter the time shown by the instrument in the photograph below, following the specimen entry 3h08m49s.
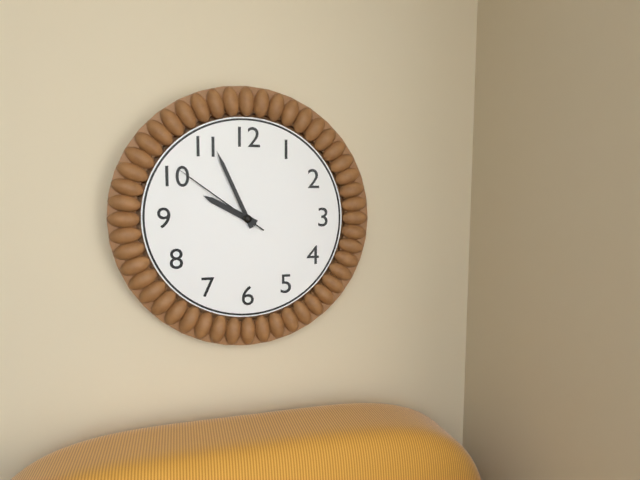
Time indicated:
9h56m51s
